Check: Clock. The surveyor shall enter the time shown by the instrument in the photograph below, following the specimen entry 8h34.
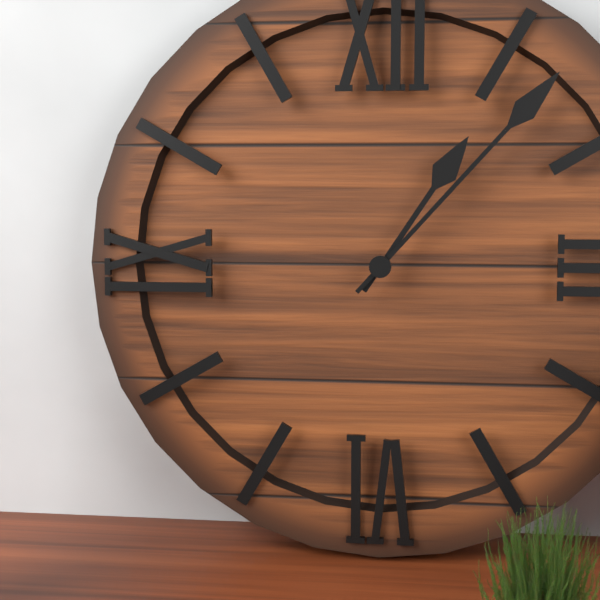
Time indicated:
1h07
